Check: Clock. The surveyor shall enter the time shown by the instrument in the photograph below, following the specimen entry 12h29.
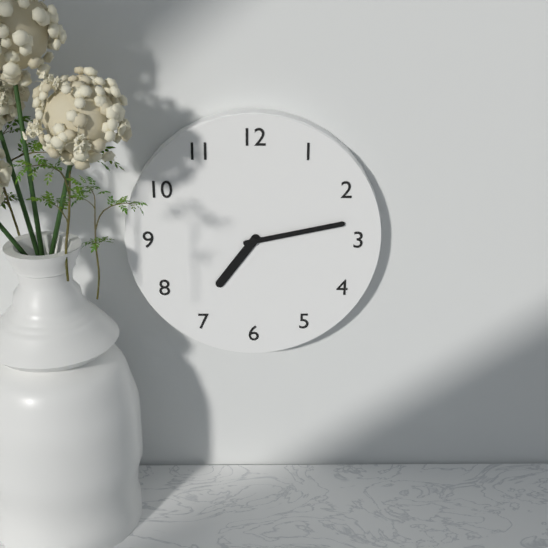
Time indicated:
7h13
